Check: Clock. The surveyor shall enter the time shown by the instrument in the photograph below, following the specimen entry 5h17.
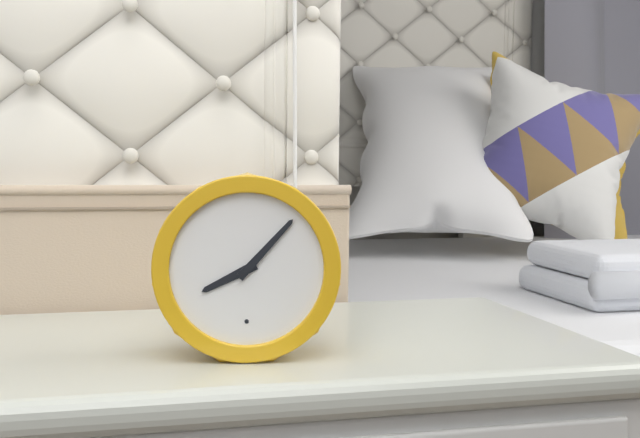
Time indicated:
8h07
